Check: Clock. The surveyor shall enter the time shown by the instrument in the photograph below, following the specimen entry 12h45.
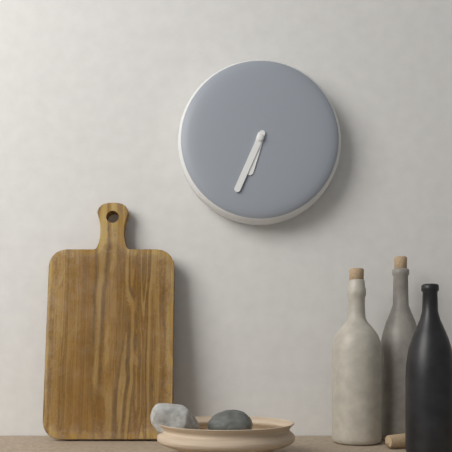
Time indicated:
6h34
